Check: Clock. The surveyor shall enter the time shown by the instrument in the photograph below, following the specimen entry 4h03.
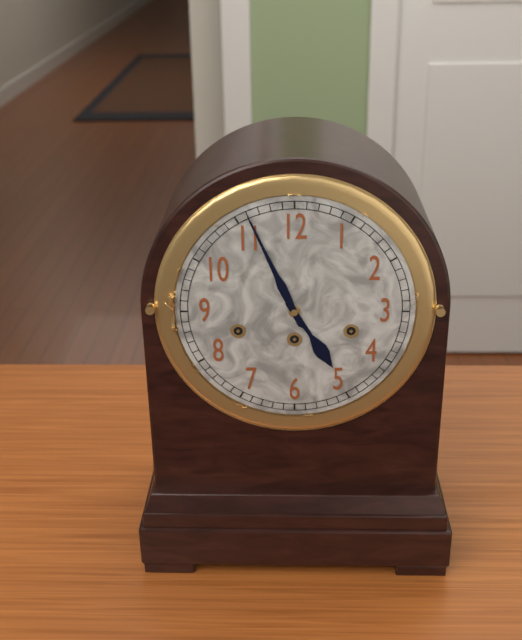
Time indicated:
4h56
